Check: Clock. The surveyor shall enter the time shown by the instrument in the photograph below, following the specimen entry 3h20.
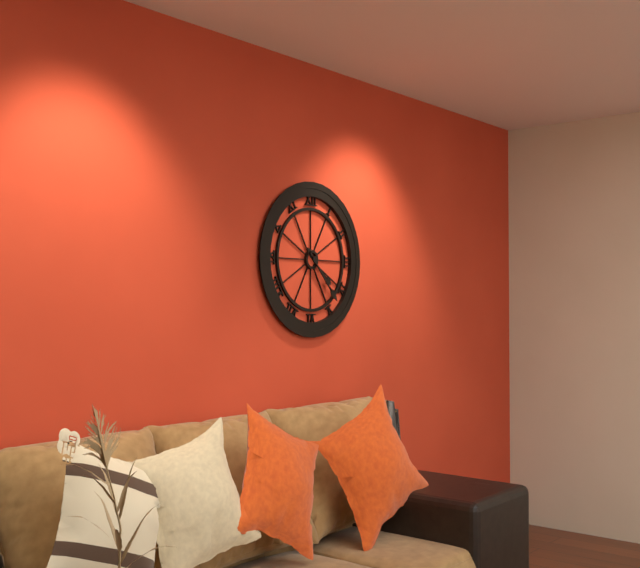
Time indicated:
4h23
